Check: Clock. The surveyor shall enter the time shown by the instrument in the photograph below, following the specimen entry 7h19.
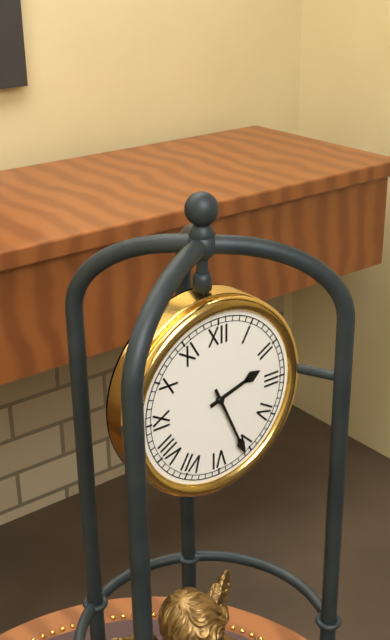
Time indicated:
2h26
